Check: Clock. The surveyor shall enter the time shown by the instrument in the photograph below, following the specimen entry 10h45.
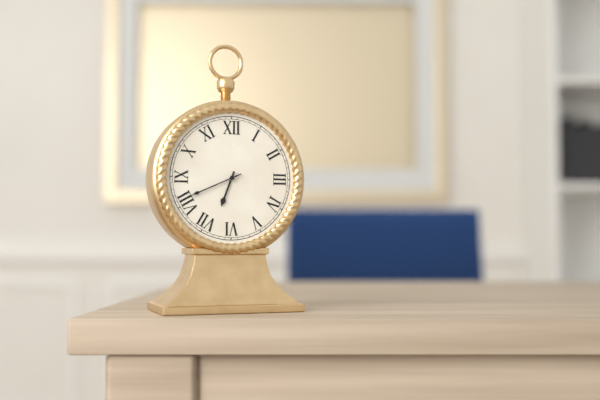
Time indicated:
6h41
